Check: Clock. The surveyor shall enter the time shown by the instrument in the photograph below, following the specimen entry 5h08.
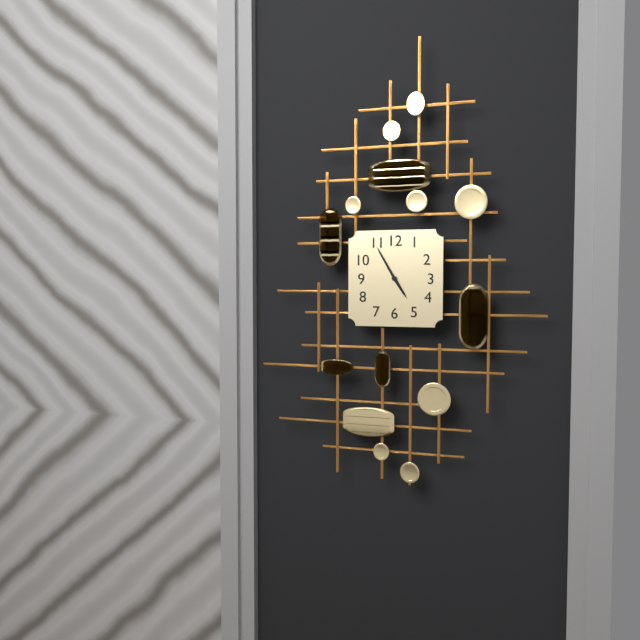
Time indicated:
4h55
